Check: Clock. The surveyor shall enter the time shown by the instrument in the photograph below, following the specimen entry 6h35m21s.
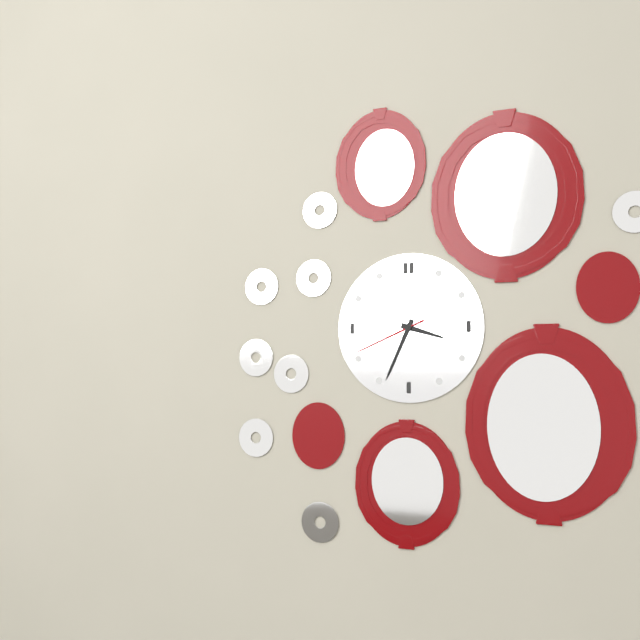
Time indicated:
3h34m41s
